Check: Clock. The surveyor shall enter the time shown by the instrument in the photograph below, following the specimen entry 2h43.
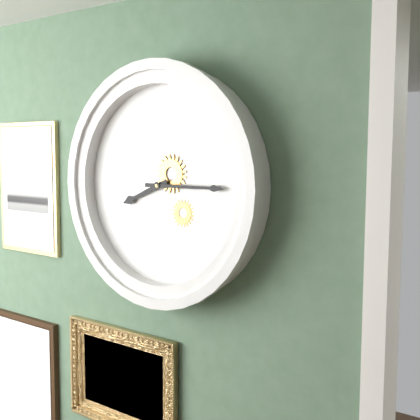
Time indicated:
8h15
